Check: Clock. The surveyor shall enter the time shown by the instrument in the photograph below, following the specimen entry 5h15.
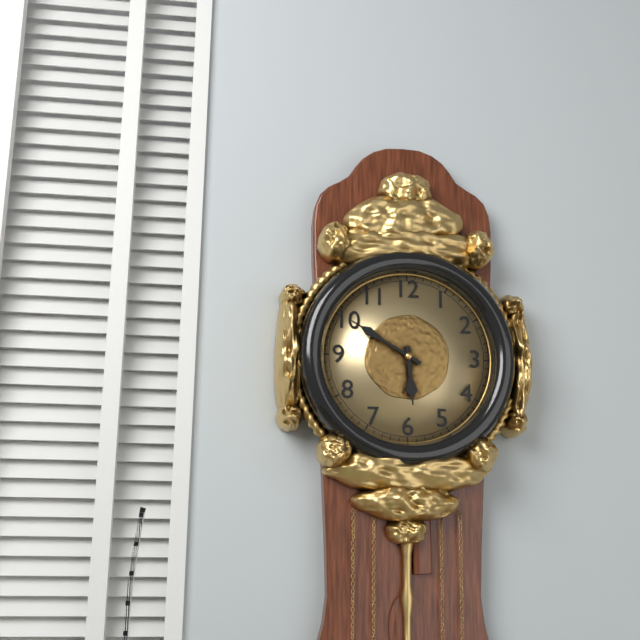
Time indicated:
5h50
